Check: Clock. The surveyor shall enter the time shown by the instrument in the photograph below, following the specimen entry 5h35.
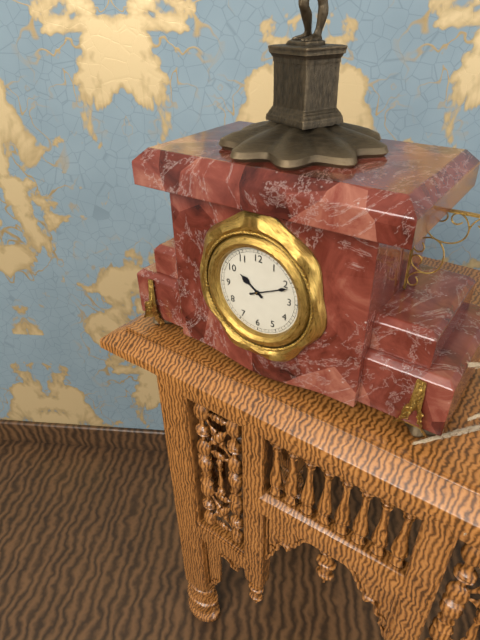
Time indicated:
10h11
